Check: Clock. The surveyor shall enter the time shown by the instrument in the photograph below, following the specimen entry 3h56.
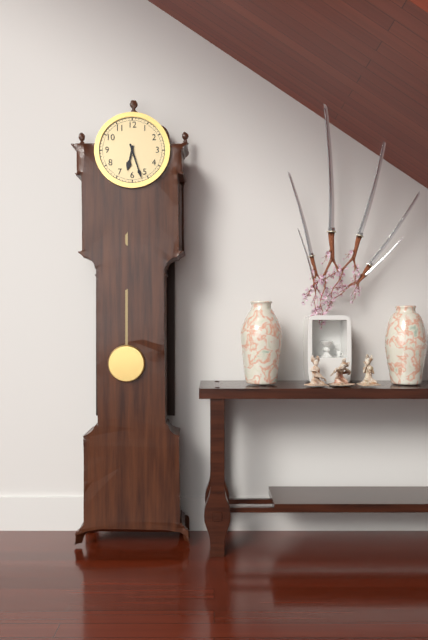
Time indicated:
6h27
